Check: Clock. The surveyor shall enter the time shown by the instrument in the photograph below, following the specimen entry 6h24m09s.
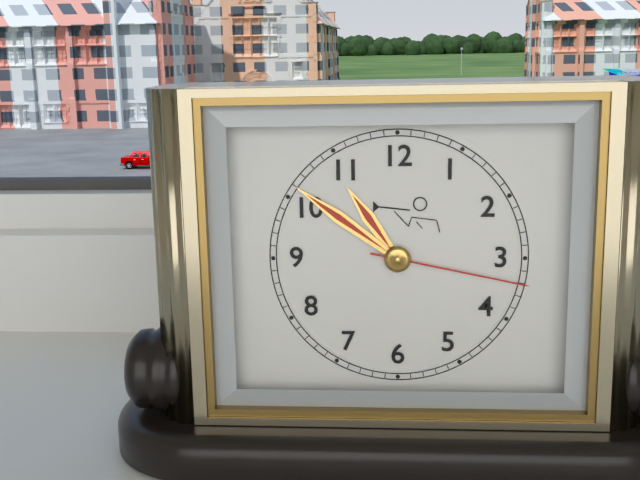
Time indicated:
10h51m17s
